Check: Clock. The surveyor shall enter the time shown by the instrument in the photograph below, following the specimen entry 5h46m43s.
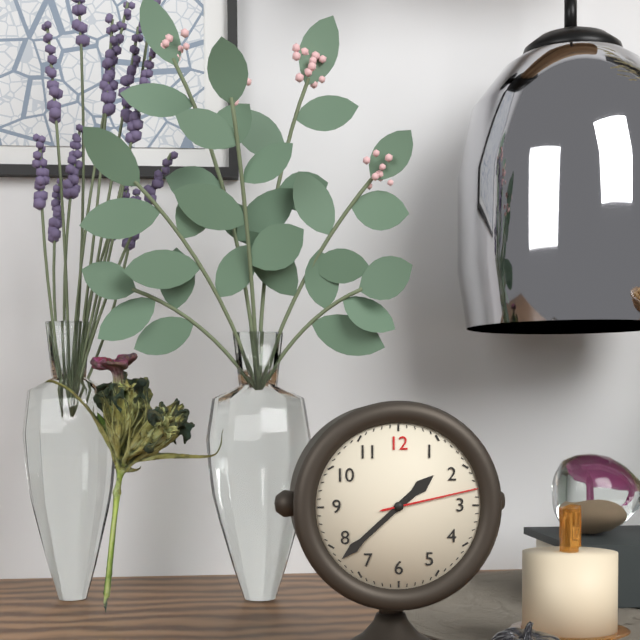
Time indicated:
1h38m13s
